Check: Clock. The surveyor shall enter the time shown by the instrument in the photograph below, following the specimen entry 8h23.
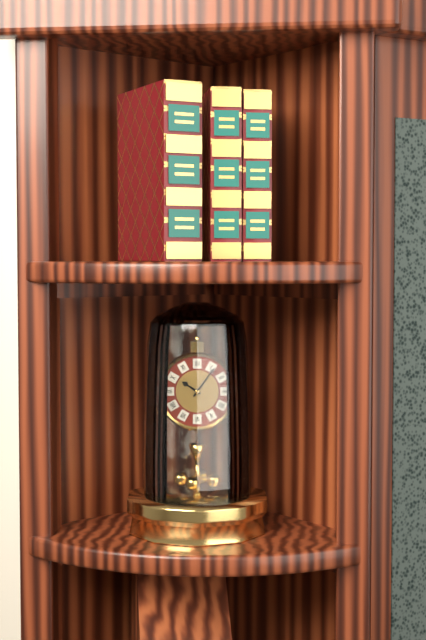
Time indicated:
10h06
